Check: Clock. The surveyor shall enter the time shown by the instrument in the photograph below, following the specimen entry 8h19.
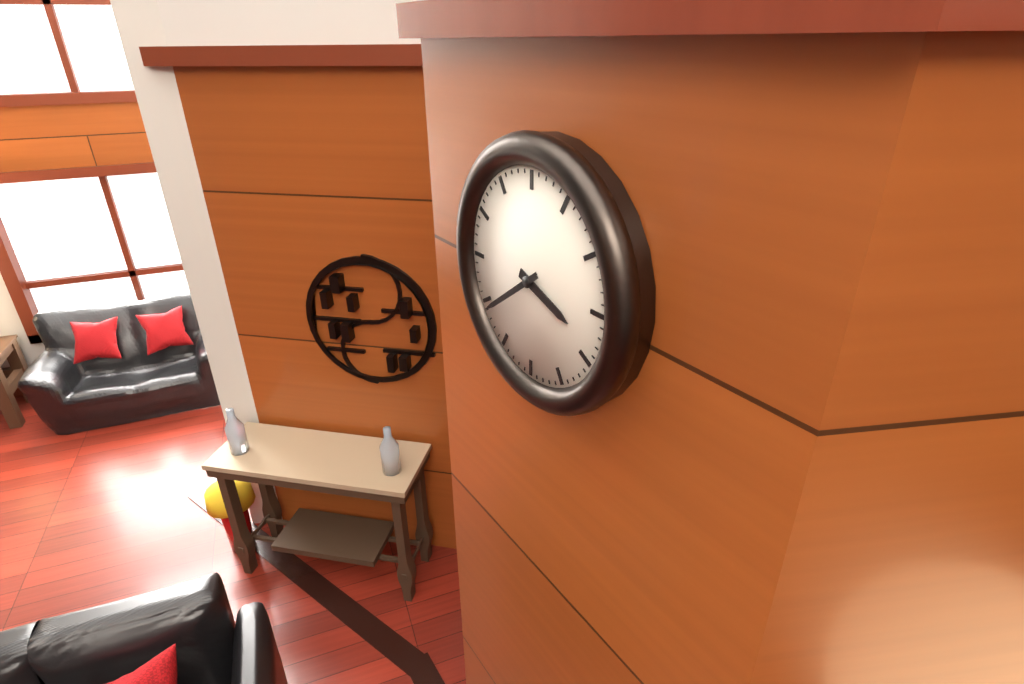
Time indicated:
3h39
